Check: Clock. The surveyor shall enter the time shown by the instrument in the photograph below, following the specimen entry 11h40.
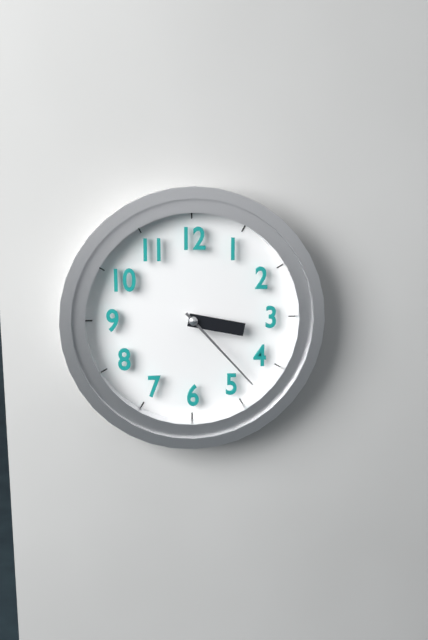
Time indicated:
3h23
